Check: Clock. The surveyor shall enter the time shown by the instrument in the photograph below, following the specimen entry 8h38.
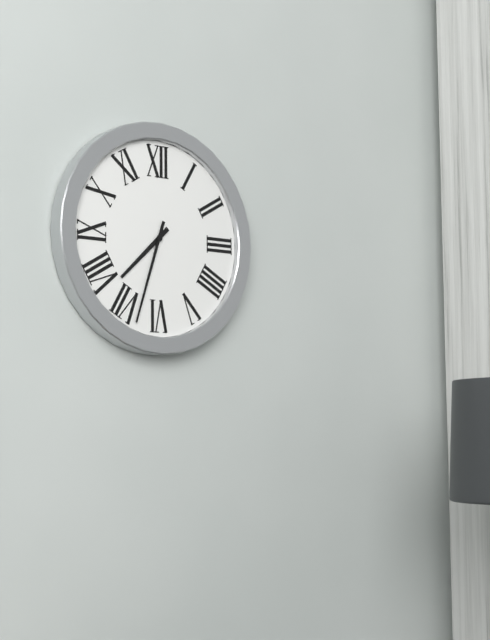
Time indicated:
7h33
